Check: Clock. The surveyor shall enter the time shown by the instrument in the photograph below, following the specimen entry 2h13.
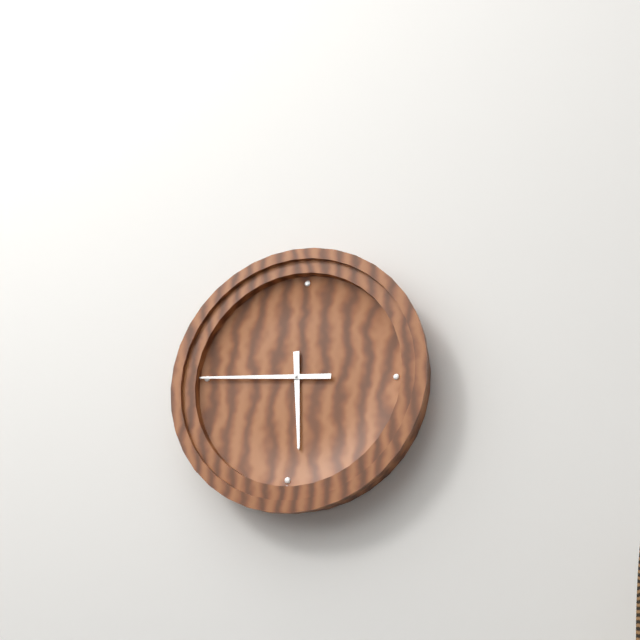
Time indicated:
5h45
